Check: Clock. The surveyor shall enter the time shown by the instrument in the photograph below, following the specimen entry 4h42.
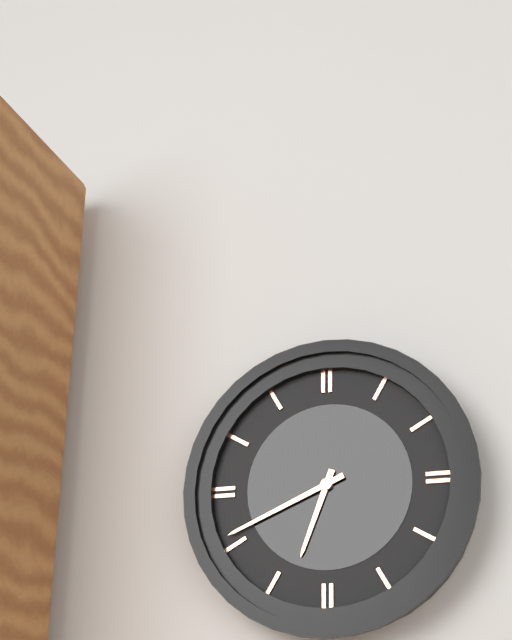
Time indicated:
6h41
